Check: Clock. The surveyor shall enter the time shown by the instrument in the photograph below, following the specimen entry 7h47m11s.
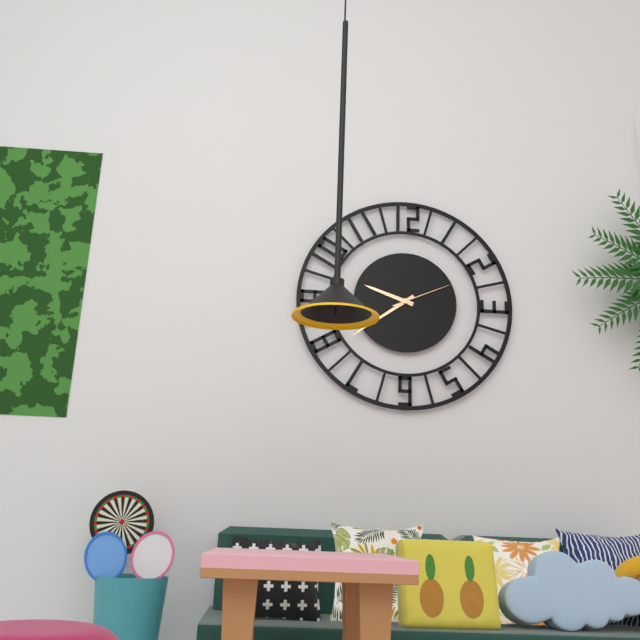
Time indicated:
9h39m11s
